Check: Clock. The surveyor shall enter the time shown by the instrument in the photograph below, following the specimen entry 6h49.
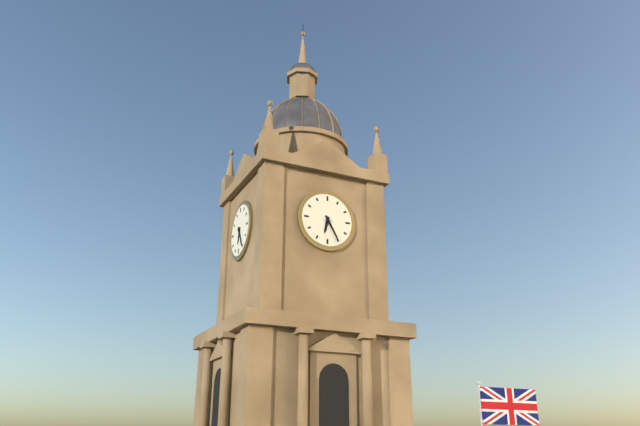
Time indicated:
6h25
